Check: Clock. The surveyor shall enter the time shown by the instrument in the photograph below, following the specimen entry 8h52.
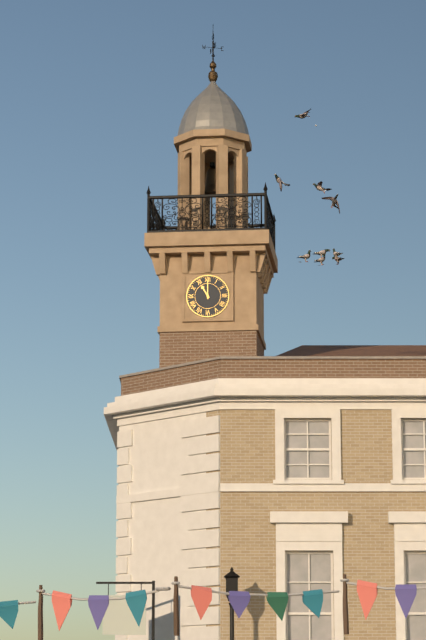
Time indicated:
11h00
